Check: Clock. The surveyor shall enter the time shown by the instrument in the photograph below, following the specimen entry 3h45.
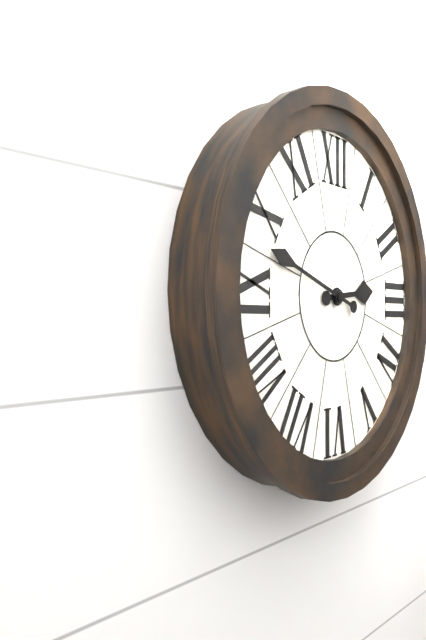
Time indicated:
2h48
